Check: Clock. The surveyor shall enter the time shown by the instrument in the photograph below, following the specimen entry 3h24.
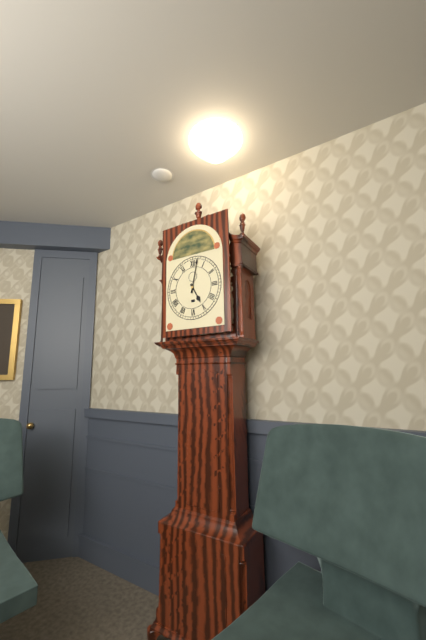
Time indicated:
5h02
